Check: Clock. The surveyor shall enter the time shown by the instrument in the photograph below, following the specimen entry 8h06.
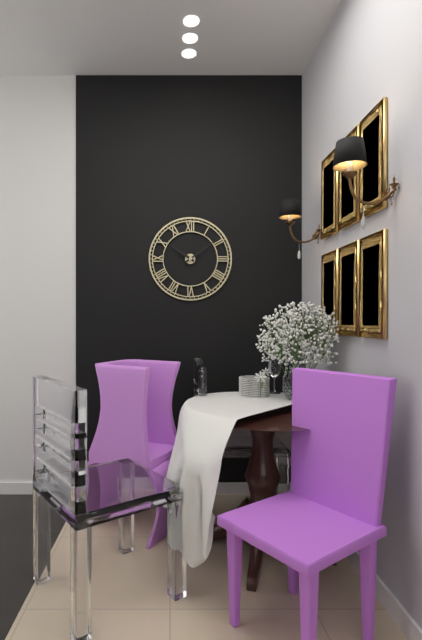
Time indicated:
10h09
